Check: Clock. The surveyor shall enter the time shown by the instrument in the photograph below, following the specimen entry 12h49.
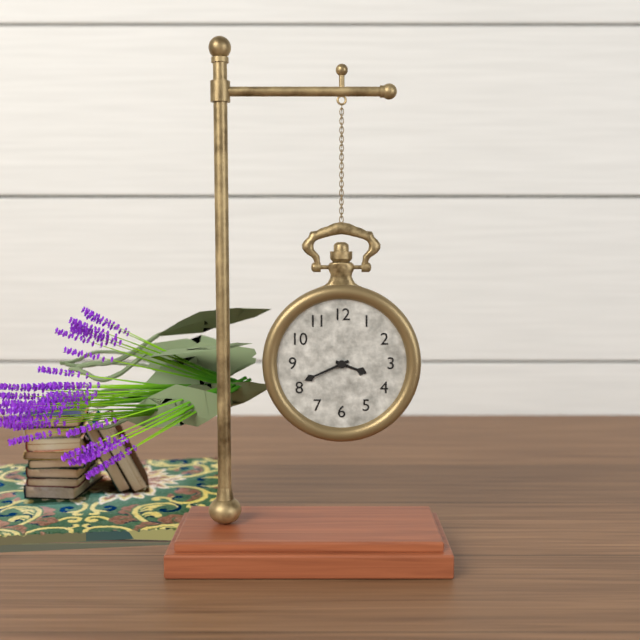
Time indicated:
3h41
